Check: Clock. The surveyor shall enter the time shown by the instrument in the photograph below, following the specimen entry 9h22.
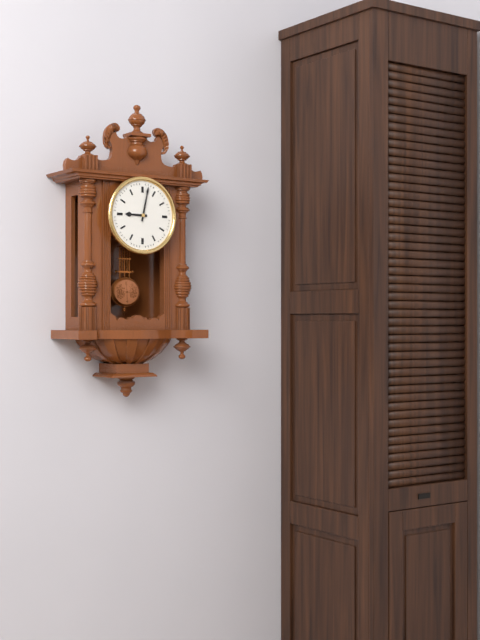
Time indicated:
9h02
